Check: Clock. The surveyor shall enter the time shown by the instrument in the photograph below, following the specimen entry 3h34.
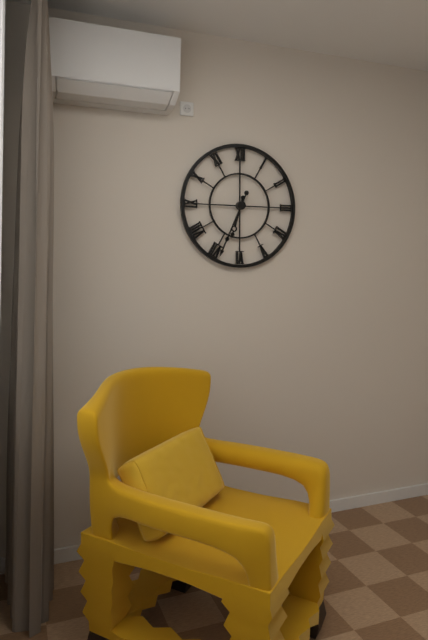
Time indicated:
6h34
